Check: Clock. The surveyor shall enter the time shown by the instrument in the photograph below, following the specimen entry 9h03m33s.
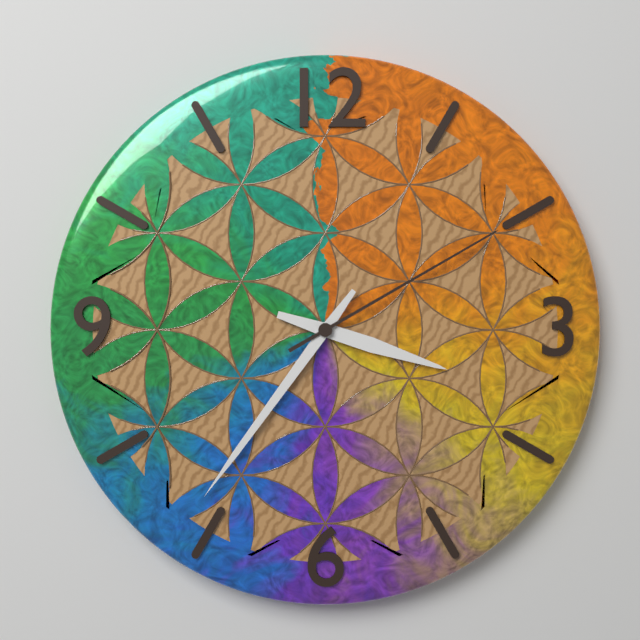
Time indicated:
3h36m10s
